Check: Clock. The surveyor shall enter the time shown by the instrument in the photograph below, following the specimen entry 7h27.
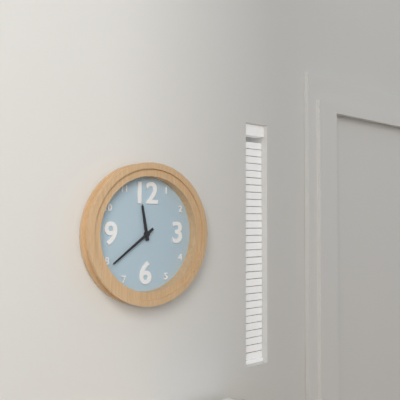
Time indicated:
11h39
